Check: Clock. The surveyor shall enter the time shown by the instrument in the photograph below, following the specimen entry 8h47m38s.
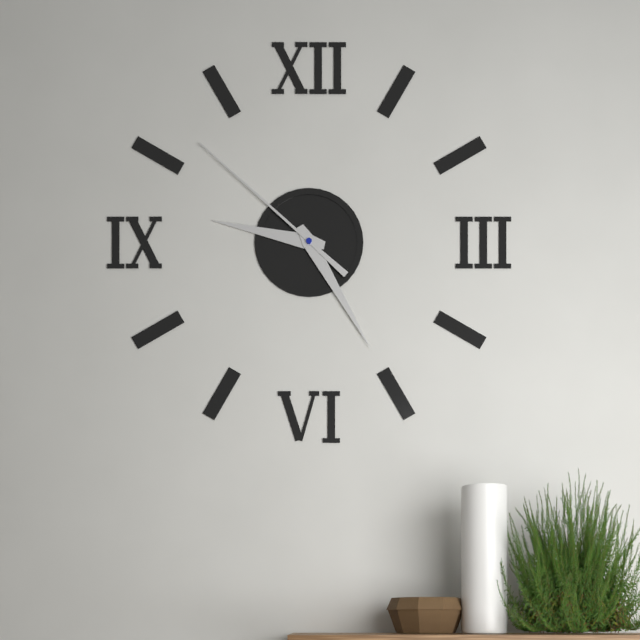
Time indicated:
9h25m52s
